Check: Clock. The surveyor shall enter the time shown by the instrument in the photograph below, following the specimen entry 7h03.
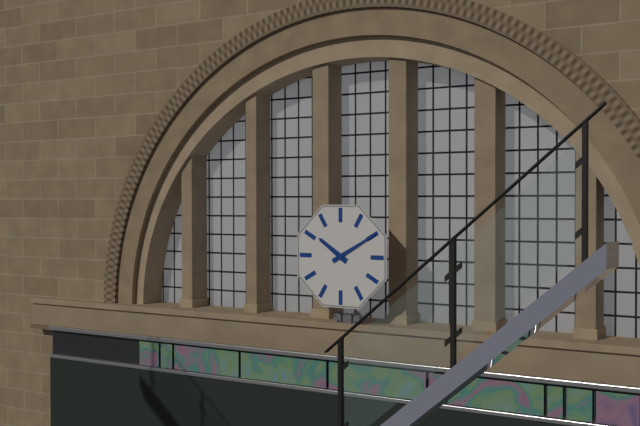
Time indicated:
10h10
